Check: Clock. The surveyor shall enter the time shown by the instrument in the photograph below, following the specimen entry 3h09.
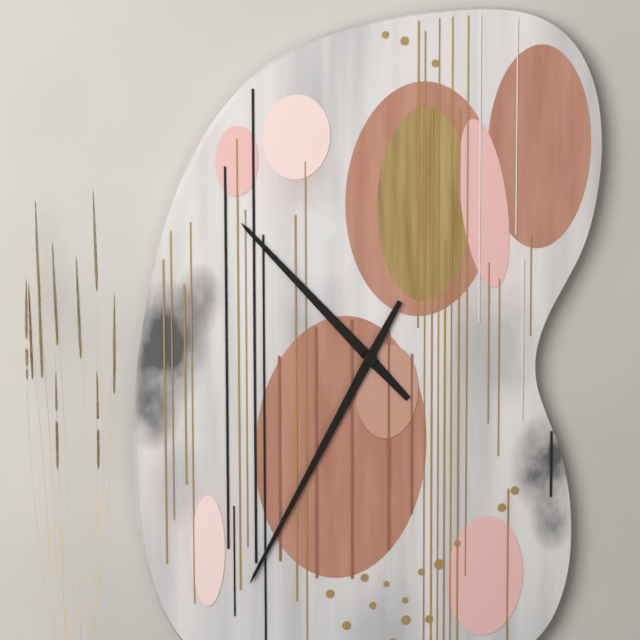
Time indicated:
10h35
